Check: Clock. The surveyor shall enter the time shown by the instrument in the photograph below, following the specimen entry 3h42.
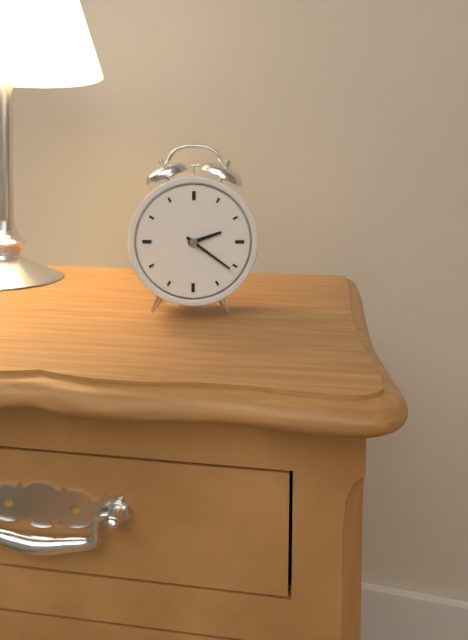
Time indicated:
2h21
